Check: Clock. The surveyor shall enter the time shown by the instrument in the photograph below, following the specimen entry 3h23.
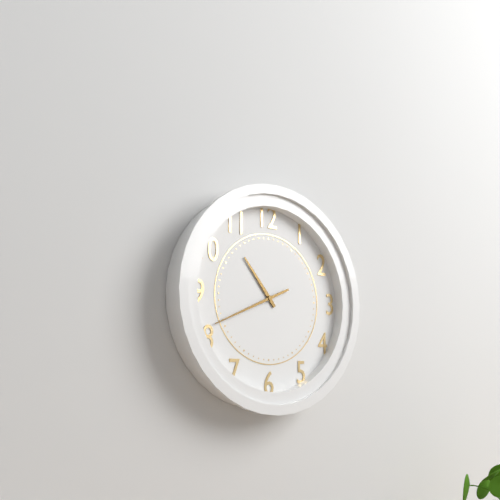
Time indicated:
10h41
